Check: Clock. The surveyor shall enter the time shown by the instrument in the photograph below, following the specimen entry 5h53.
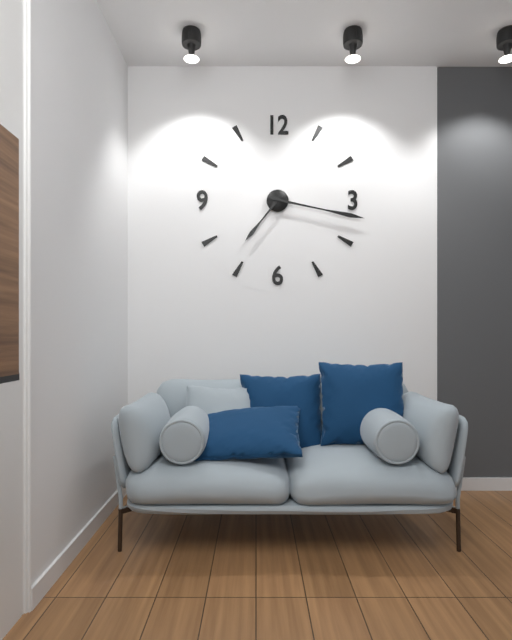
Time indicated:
7h17
